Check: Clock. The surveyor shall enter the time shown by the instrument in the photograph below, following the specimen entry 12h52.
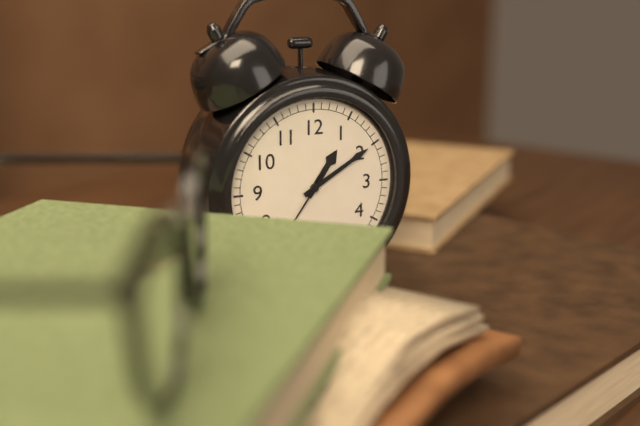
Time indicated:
1h10
